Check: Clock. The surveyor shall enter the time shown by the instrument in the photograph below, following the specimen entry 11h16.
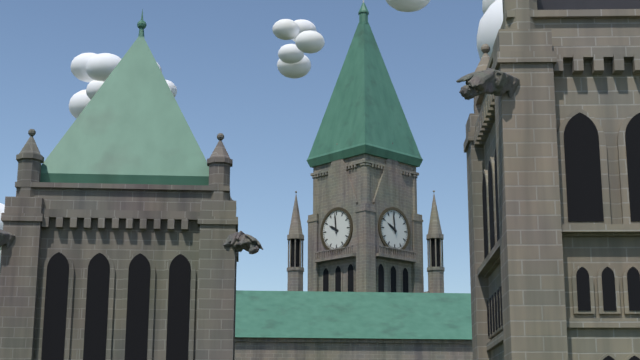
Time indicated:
9h59
